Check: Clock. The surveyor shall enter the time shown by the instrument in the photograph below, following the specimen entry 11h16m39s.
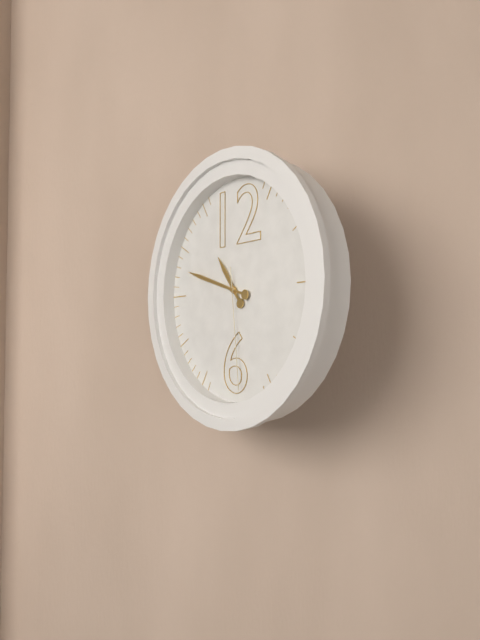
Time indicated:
10h48m29s
